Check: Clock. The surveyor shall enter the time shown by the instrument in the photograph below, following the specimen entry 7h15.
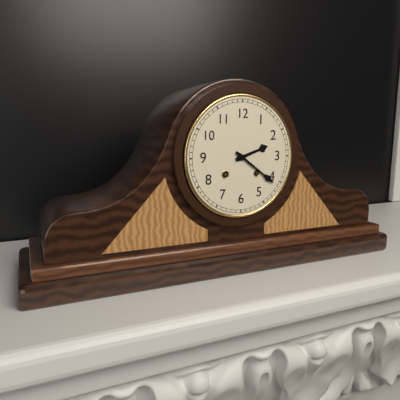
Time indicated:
2h21
